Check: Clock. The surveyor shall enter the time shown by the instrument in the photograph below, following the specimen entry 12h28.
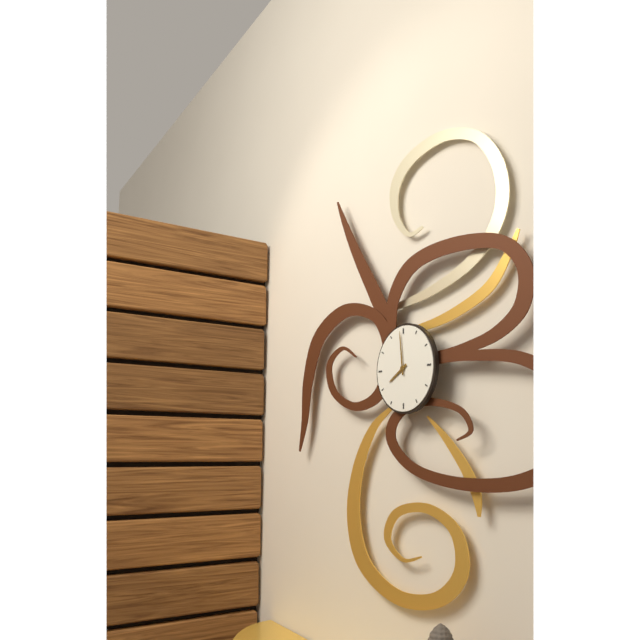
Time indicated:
7h59
